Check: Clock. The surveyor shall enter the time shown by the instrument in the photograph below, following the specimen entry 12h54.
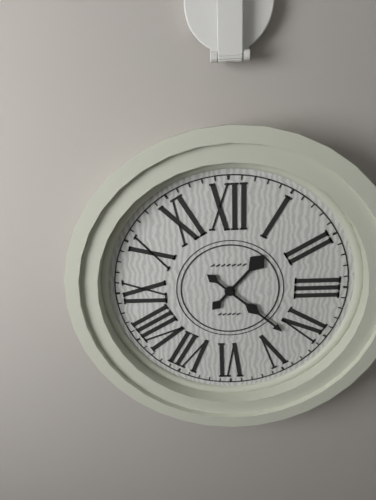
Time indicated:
1h22
